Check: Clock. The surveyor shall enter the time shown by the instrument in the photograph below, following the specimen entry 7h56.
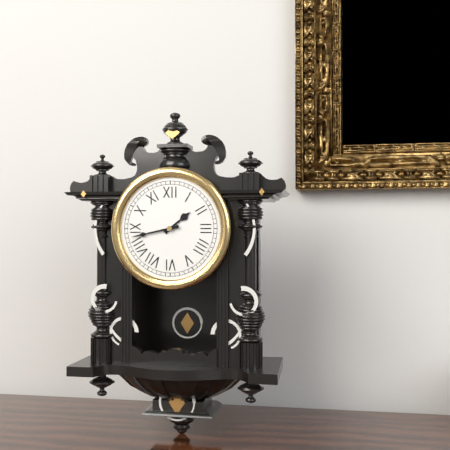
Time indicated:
1h43
